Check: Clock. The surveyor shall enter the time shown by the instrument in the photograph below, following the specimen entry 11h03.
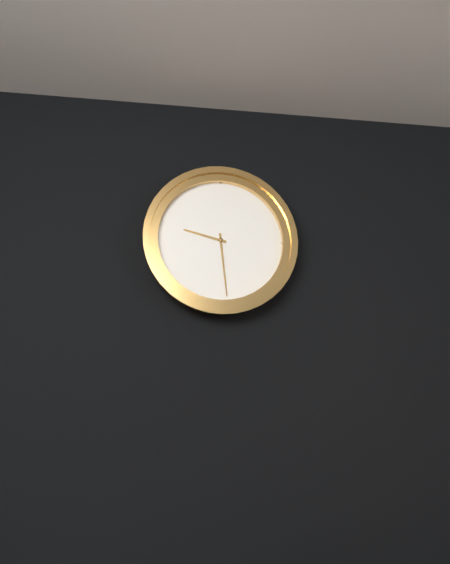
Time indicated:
9h29
